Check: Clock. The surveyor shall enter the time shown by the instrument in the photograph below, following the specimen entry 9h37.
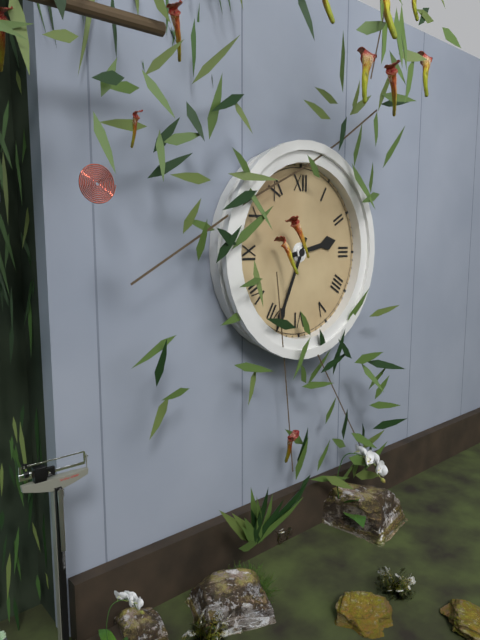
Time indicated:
2h34
